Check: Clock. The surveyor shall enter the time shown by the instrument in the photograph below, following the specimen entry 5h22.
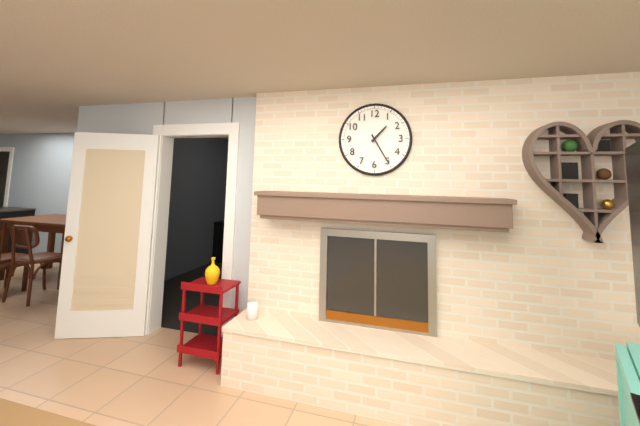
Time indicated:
1h25
